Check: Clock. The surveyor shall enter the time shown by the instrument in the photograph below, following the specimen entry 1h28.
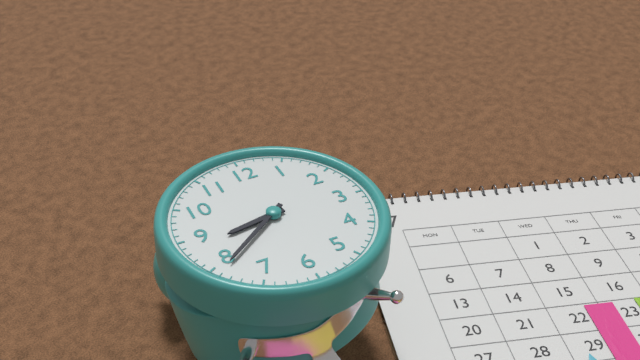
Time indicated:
8h39
